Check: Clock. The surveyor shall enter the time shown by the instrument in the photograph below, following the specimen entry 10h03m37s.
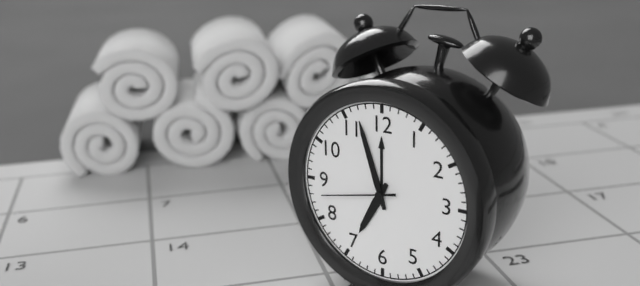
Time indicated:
6h57m43s
